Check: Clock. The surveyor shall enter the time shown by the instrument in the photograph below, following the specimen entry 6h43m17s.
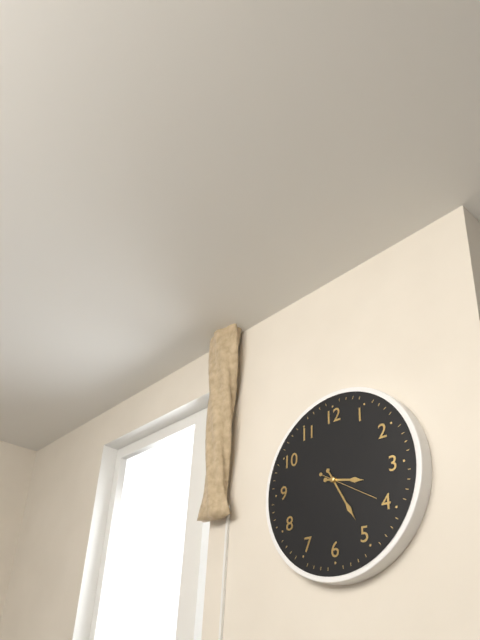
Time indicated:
3h25m20s
